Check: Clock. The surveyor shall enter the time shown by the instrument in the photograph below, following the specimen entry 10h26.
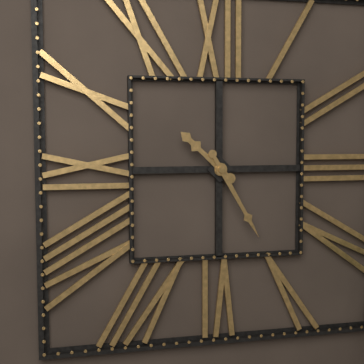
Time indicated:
10h25
